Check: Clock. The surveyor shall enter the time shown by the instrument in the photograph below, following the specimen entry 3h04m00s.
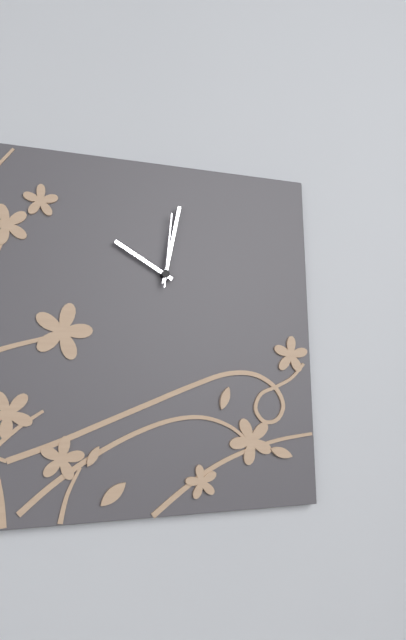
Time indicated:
10h02m01s
